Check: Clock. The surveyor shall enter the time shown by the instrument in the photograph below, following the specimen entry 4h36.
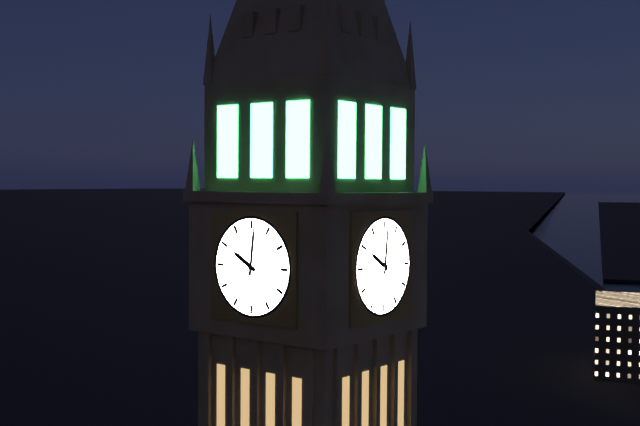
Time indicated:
10h01
